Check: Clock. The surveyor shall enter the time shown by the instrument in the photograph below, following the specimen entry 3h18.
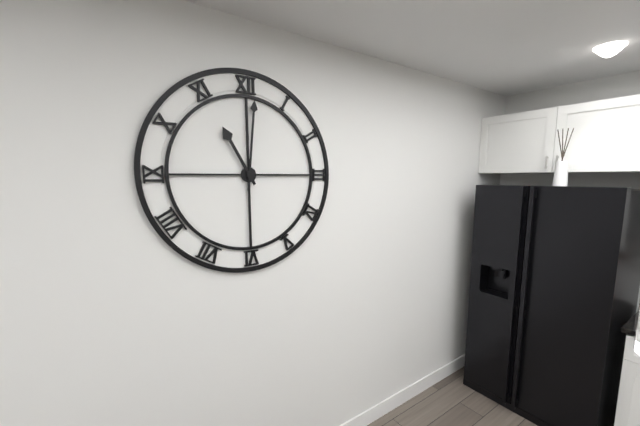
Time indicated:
11h01
